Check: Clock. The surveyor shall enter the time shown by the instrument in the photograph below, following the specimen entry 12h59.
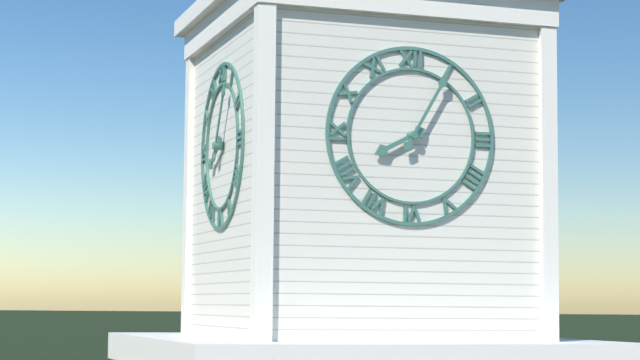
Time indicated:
8h05
